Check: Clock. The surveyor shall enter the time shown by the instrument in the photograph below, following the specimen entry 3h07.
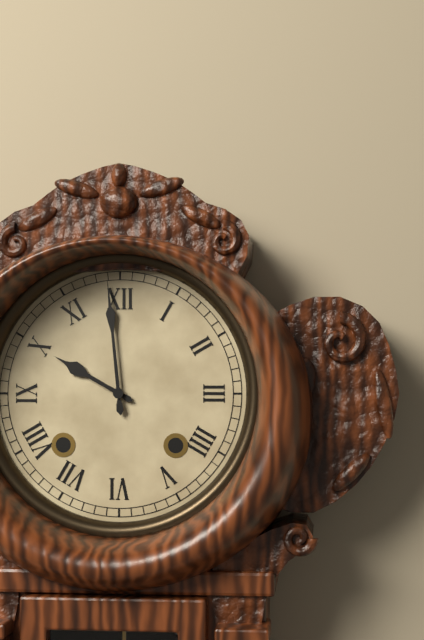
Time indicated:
9h59
